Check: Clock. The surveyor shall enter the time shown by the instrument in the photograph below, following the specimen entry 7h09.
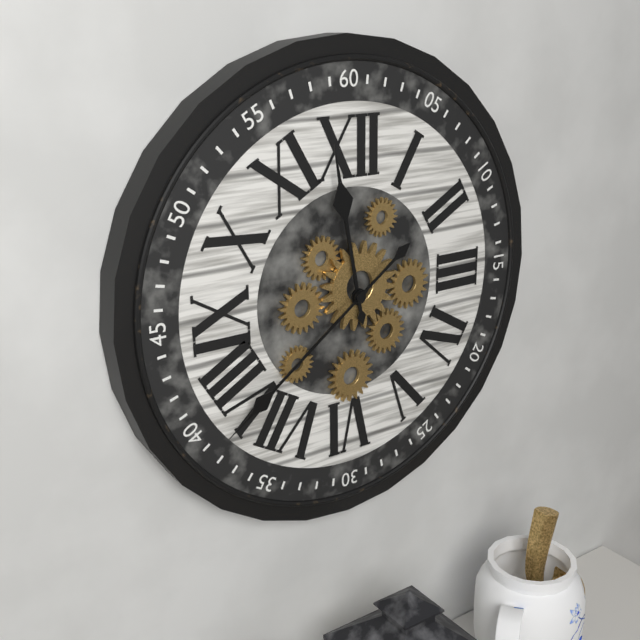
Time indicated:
11h39
